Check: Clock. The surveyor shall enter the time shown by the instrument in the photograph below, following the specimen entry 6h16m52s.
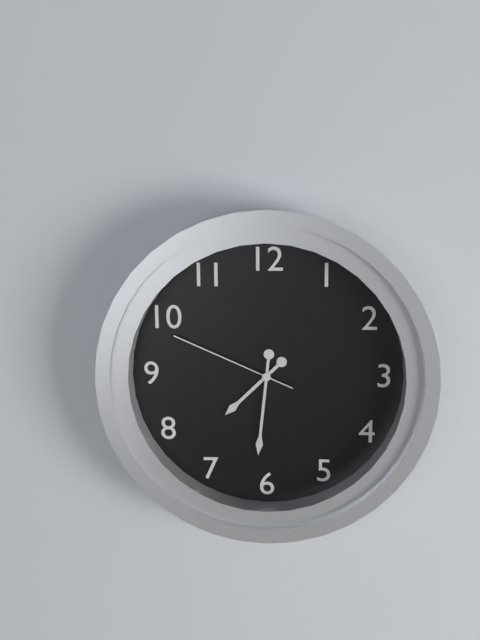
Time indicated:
7h31m49s
